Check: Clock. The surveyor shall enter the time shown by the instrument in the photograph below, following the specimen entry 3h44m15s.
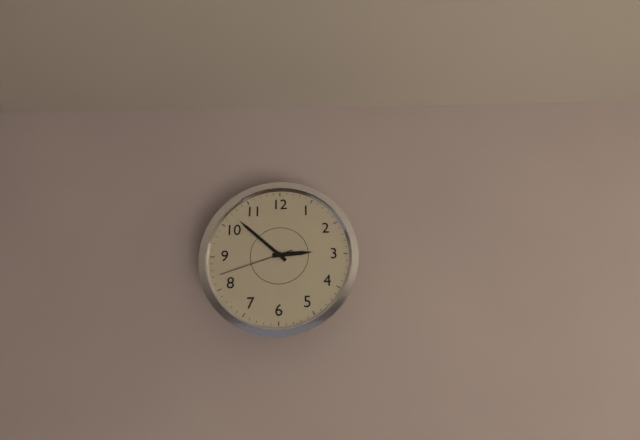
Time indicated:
2h52m42s
